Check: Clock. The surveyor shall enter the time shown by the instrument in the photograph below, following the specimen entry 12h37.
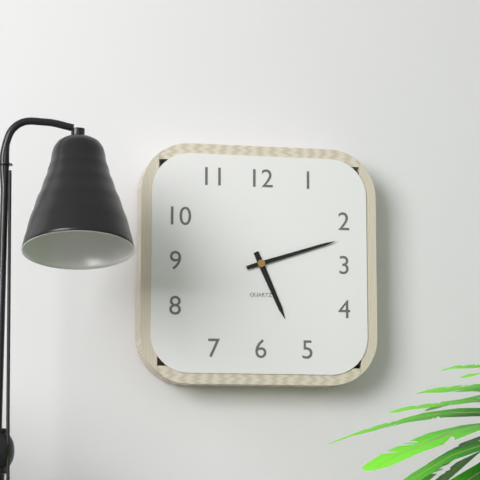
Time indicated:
5h12
